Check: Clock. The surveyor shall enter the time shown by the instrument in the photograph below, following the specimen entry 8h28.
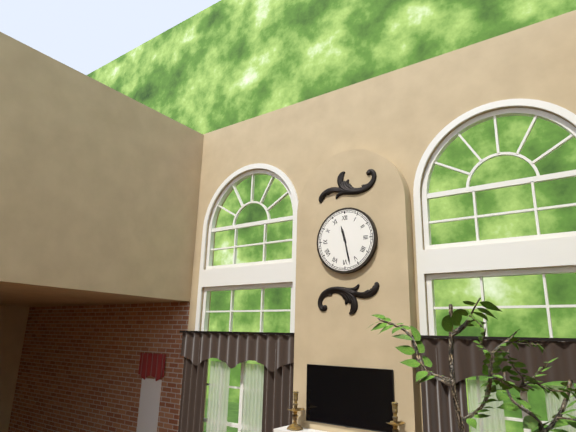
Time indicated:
11h28
